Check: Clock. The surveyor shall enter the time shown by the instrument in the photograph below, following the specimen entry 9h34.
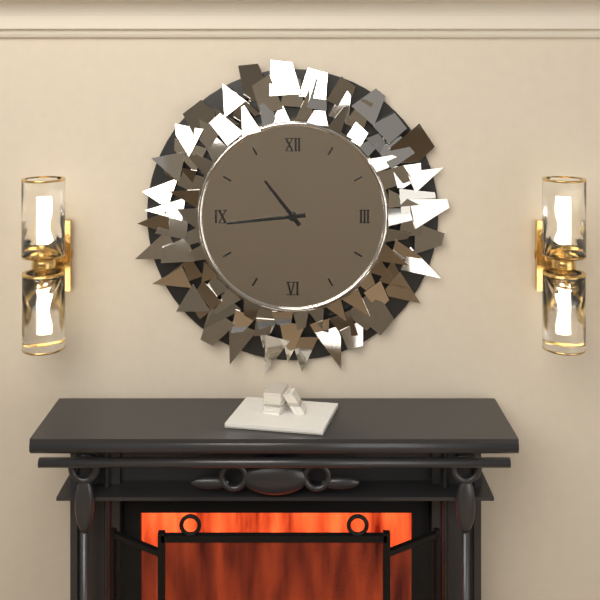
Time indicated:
10h44
